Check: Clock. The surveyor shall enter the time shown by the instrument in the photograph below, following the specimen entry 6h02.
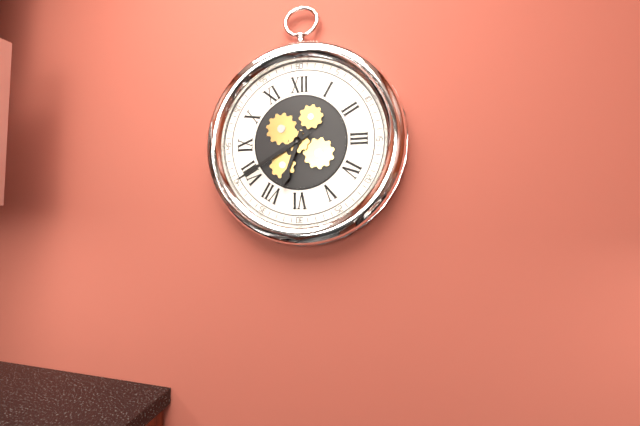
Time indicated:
6h40
